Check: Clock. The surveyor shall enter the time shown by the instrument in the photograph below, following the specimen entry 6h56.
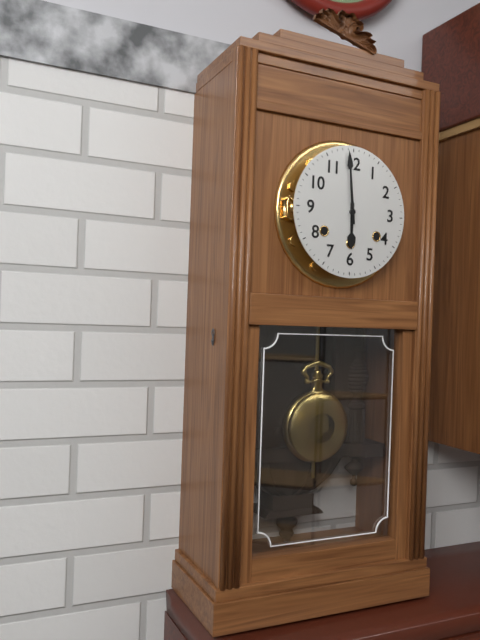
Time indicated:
5h59
